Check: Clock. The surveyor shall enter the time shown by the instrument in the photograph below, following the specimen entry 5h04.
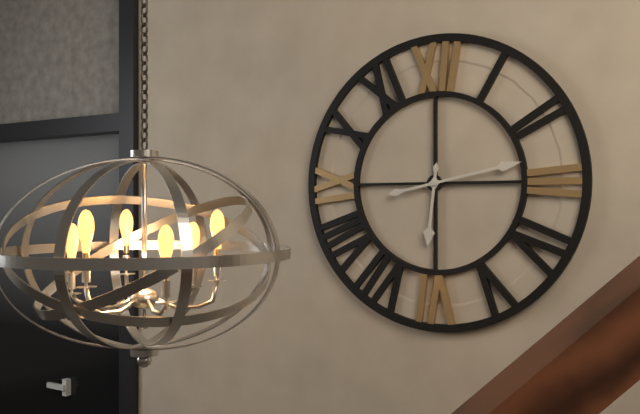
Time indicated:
6h13
